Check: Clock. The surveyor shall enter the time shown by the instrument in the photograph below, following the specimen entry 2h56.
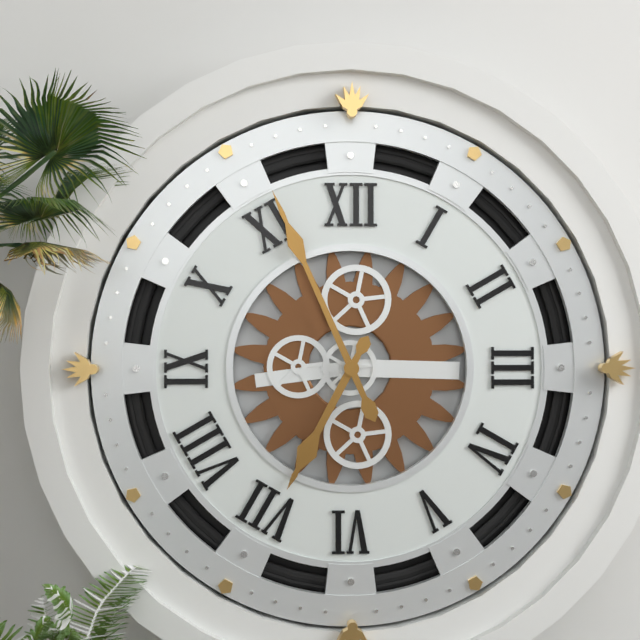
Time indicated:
6h56
